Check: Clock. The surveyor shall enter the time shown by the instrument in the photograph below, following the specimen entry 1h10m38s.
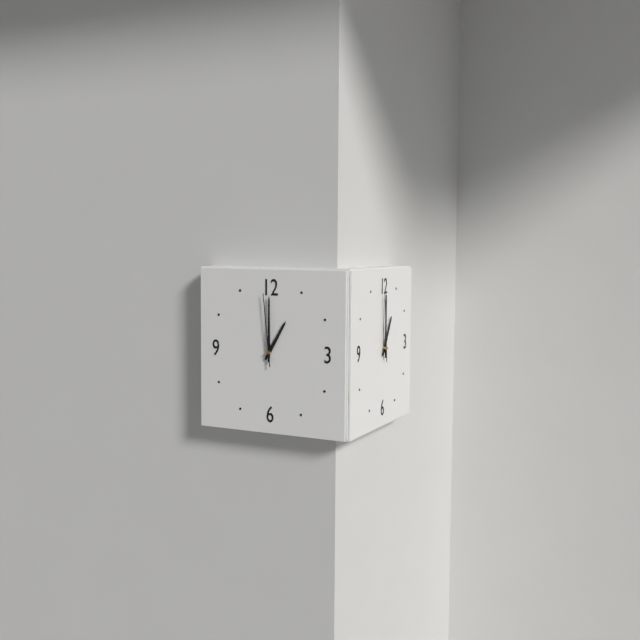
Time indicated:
1h00m59s
